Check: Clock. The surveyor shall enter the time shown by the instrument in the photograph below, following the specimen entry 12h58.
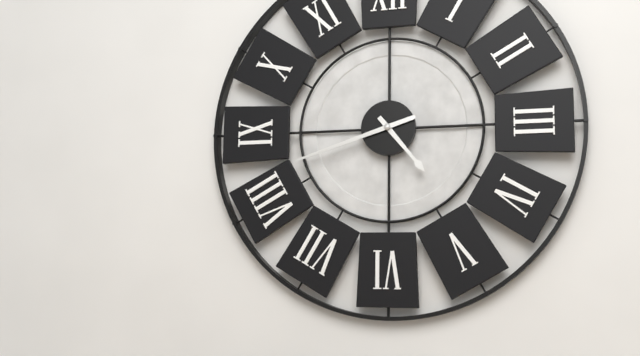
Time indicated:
4h42
